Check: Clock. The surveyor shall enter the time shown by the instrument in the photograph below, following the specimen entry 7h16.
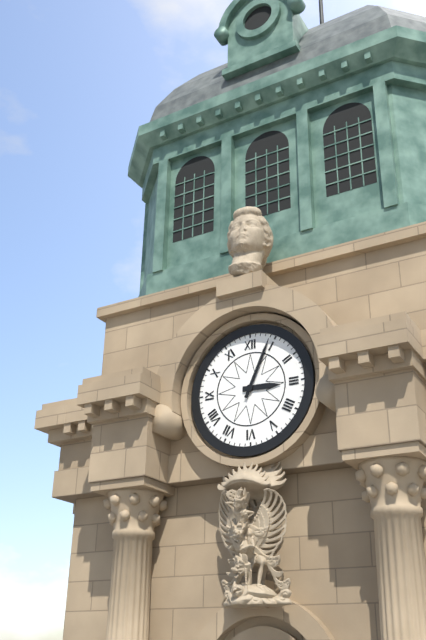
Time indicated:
3h04
